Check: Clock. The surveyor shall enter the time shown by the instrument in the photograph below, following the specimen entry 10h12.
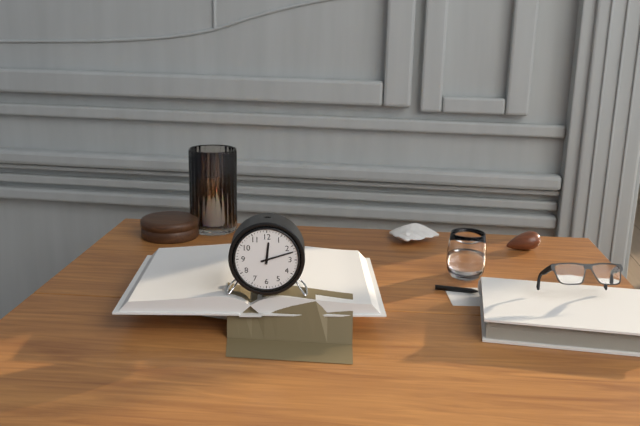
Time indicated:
12h12
